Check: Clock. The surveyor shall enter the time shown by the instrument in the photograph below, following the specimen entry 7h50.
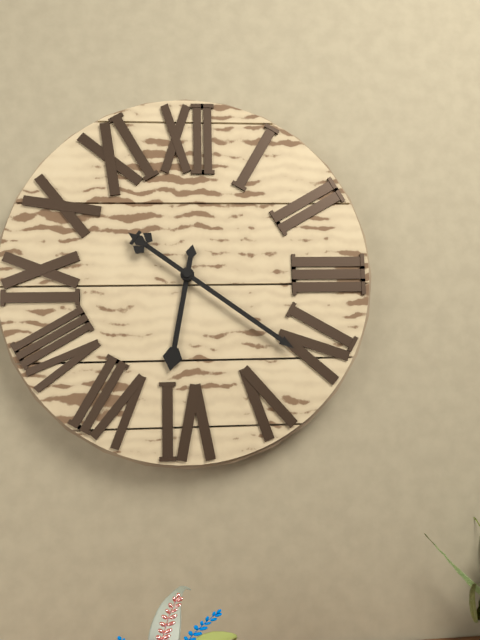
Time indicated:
6h21
